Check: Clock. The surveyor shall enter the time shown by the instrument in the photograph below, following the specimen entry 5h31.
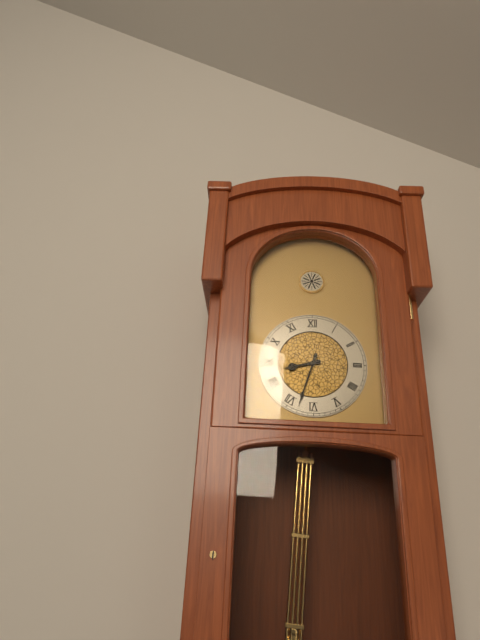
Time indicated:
8h33
